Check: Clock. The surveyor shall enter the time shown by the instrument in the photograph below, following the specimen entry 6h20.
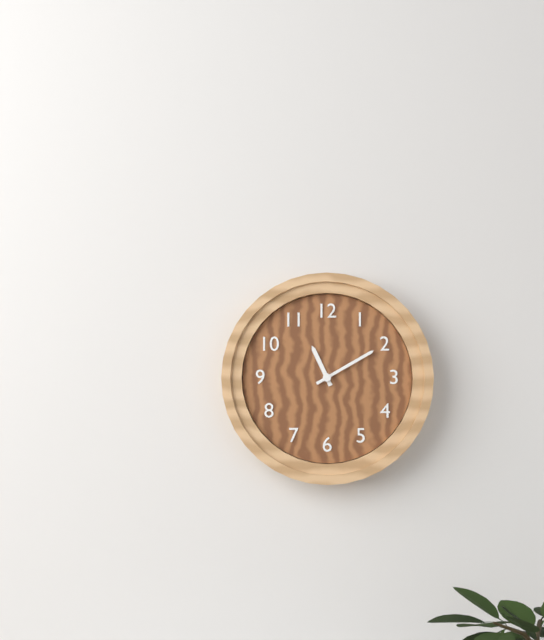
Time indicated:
11h10
